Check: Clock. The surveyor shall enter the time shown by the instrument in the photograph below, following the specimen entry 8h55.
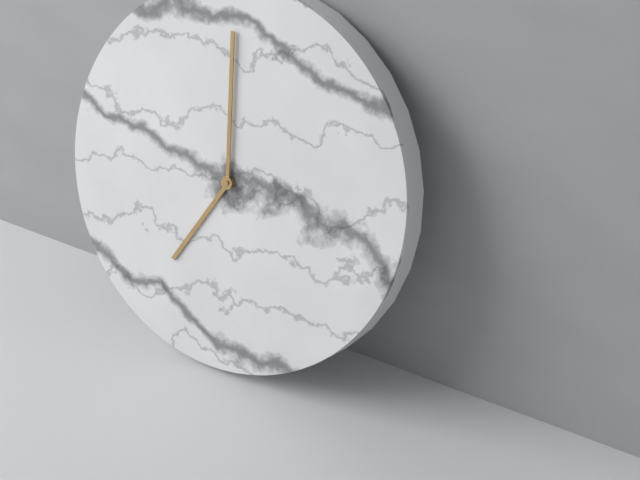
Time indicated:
6h59
